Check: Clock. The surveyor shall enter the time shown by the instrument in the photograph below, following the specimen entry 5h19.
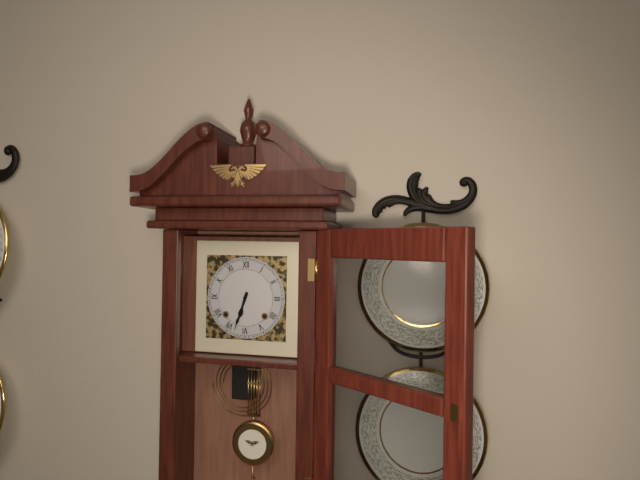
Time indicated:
6h33
